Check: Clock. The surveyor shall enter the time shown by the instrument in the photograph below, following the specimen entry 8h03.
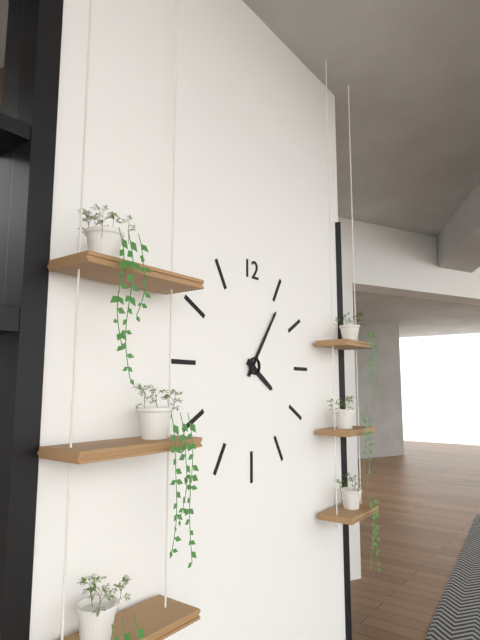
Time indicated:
4h06
